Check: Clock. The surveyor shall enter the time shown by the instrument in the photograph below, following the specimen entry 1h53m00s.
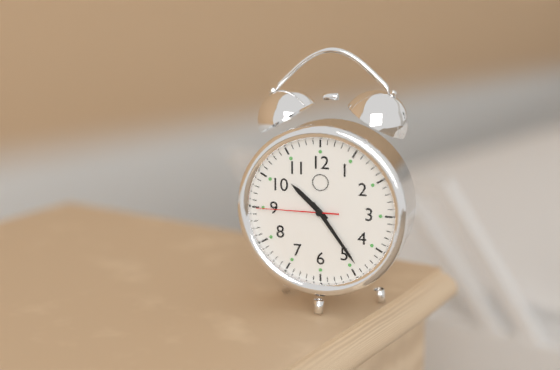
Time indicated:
10h24m45s
